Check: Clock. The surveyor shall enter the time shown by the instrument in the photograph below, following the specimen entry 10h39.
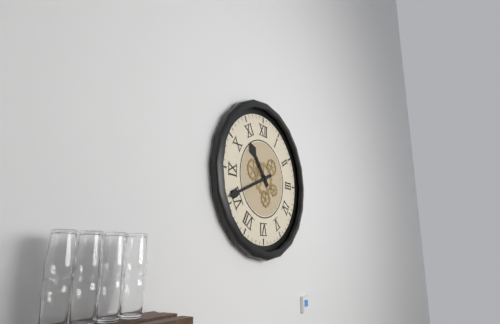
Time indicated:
10h41
